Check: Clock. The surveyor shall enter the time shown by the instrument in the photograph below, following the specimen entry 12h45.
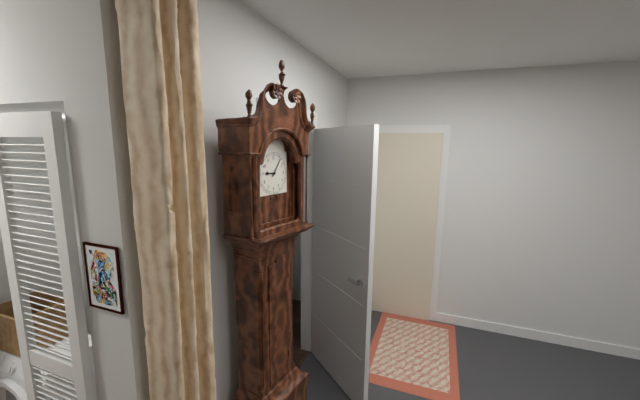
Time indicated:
9h06
